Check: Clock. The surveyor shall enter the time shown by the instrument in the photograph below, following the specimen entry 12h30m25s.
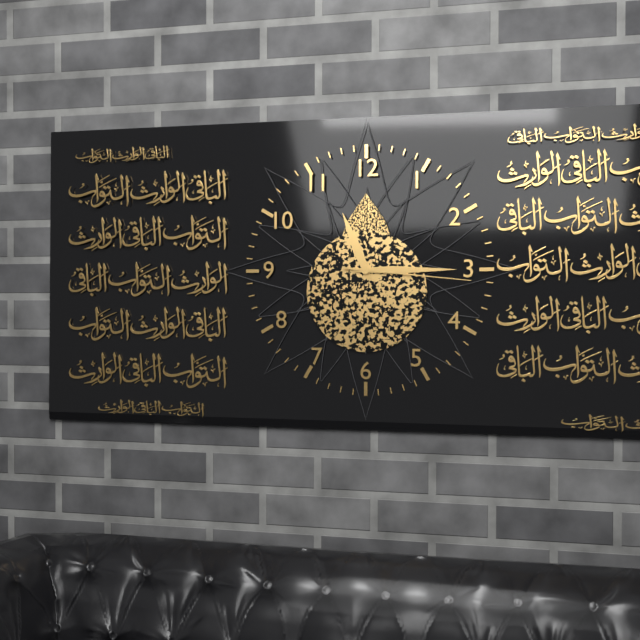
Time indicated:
11h15m16s
